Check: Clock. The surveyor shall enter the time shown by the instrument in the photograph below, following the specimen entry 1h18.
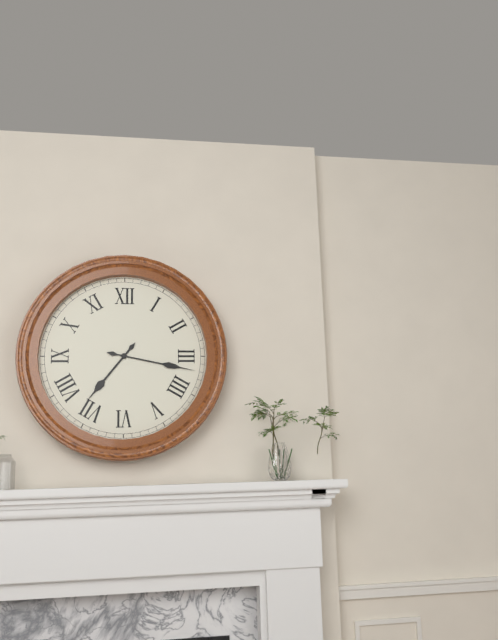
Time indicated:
7h17
